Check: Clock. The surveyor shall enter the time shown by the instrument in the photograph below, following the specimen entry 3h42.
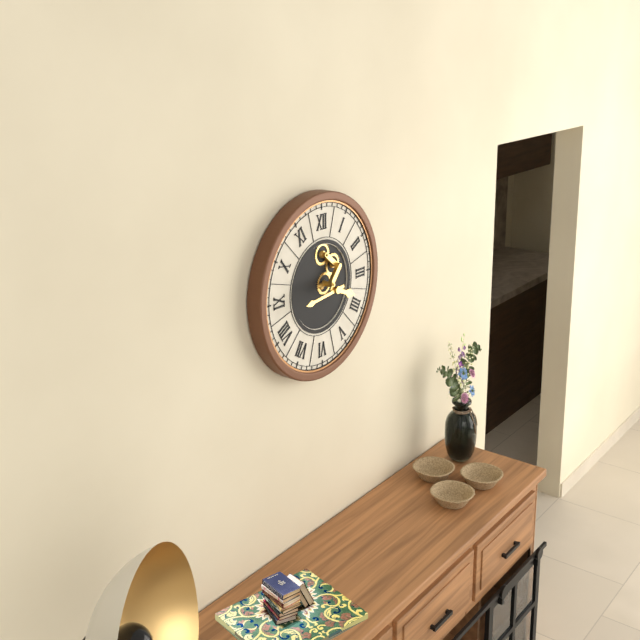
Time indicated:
3h44
